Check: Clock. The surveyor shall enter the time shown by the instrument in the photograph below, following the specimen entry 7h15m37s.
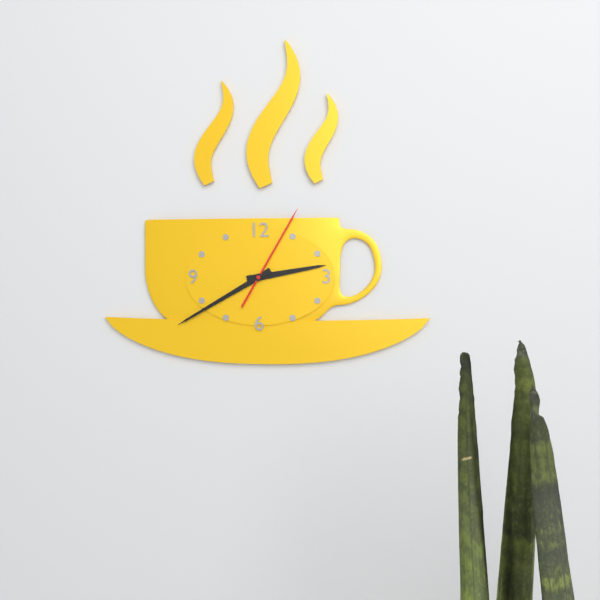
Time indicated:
2h40m05s
